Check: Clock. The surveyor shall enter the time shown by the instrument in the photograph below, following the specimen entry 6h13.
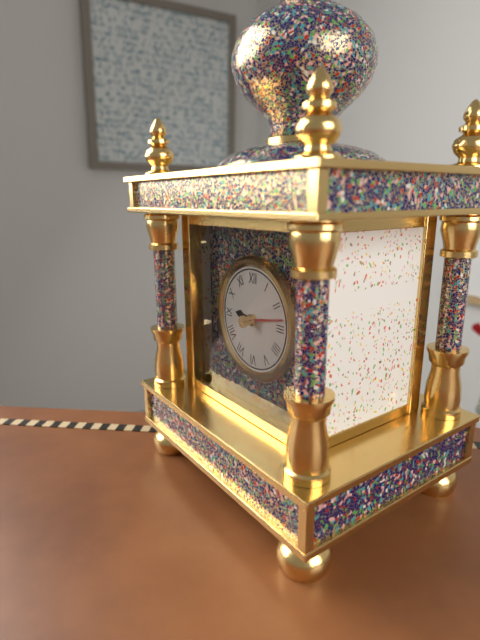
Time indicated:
9h13
